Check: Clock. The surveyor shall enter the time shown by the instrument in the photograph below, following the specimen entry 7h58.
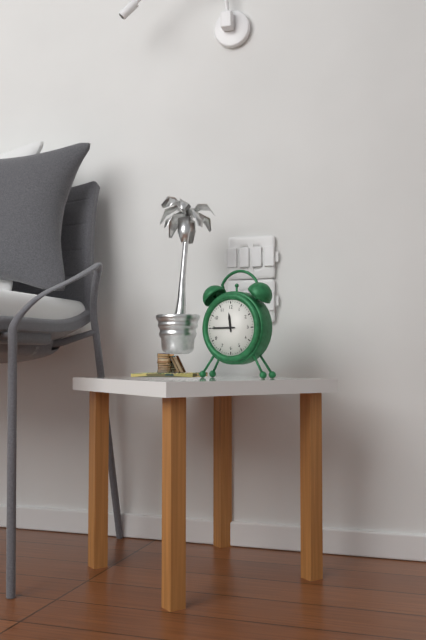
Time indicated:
11h45
